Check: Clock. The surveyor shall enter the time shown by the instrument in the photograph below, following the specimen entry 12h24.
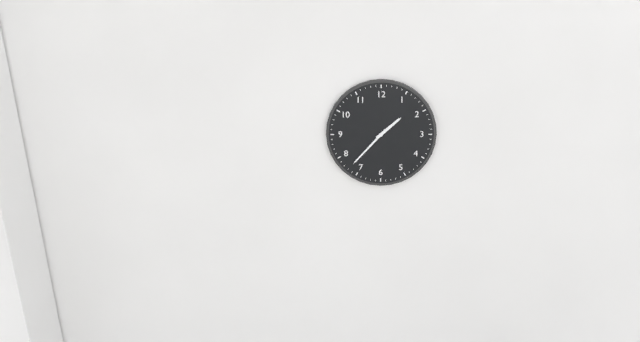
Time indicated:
1h37
